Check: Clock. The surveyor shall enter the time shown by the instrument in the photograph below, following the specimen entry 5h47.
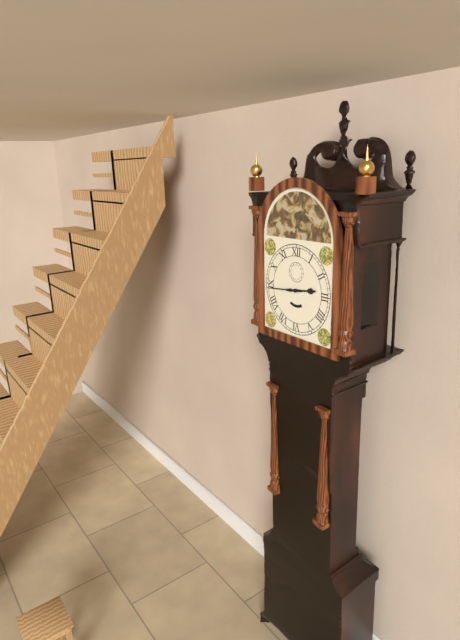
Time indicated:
2h44
